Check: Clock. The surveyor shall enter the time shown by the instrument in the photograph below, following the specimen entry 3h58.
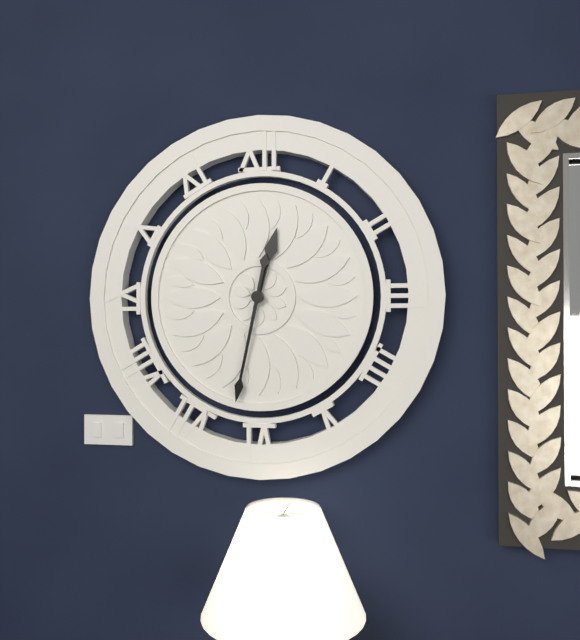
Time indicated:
12h32
